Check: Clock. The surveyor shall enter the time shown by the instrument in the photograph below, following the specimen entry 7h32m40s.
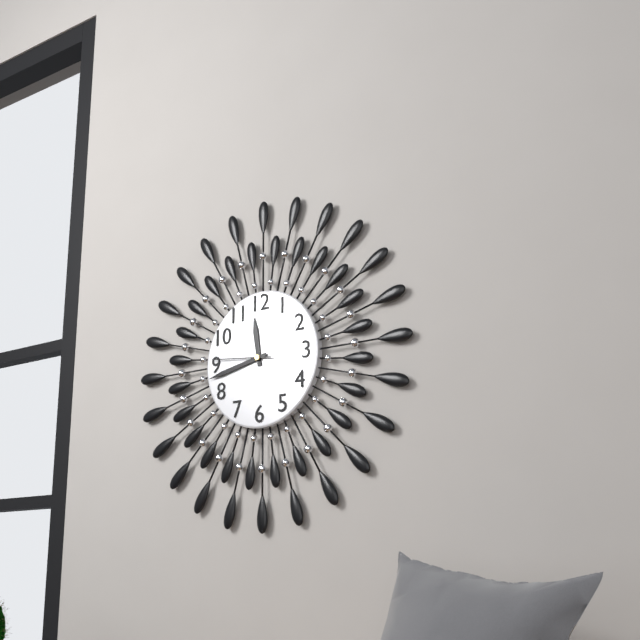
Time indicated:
11h43m46s
